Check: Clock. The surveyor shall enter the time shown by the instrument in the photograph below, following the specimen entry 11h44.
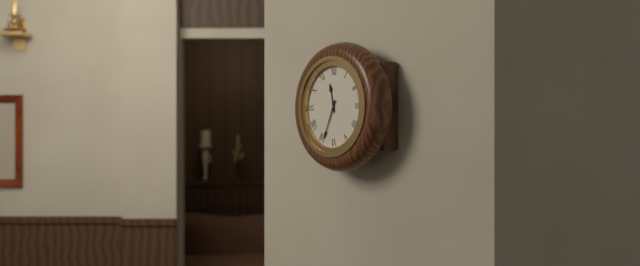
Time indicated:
11h34
